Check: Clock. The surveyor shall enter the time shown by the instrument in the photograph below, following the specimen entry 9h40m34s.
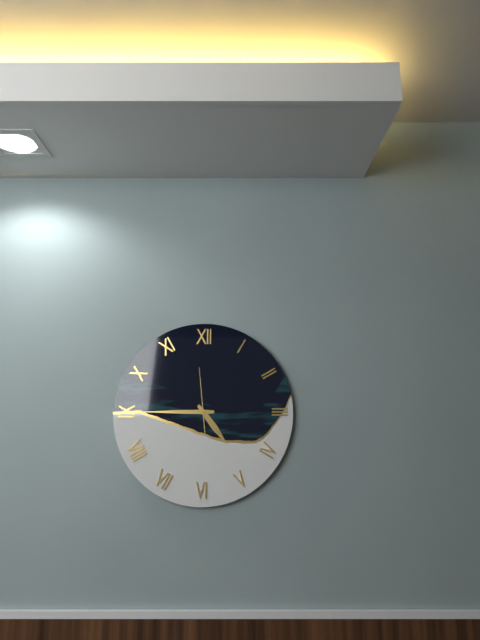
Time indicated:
4h45m59s
